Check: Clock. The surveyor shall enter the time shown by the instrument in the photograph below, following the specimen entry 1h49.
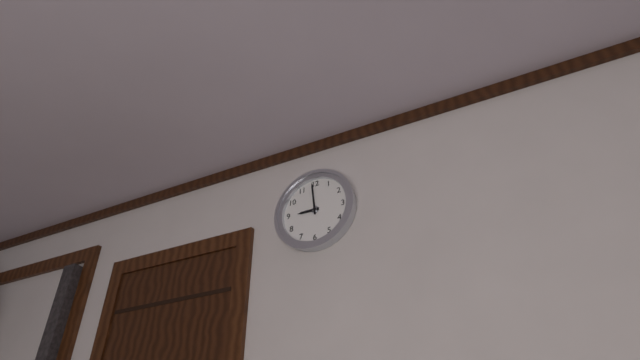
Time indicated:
8h59
